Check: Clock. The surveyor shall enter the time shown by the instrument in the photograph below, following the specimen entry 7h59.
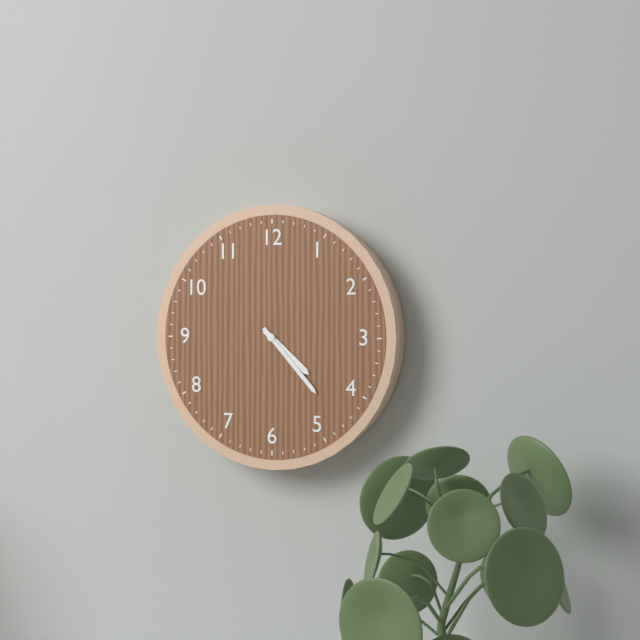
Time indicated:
4h23
